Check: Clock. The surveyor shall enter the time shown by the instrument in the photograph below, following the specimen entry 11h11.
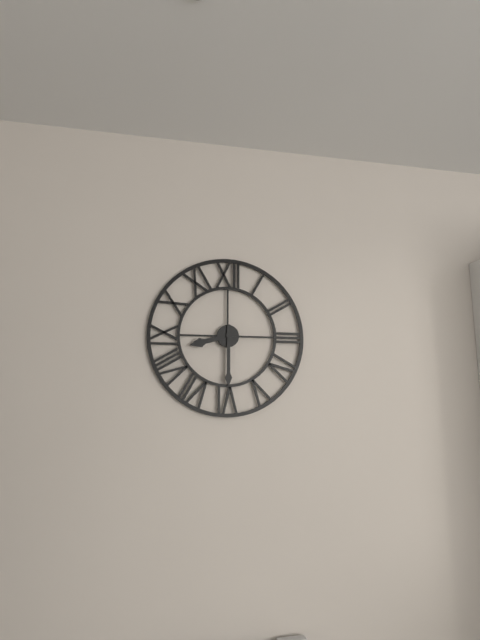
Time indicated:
8h30
